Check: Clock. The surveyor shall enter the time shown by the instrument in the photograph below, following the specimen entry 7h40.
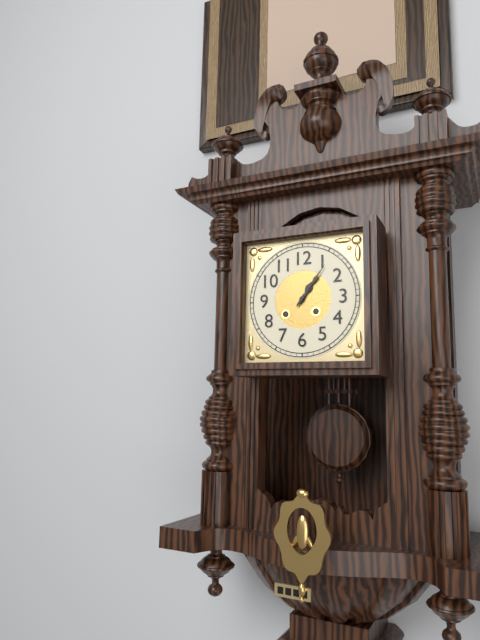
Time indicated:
1h06
